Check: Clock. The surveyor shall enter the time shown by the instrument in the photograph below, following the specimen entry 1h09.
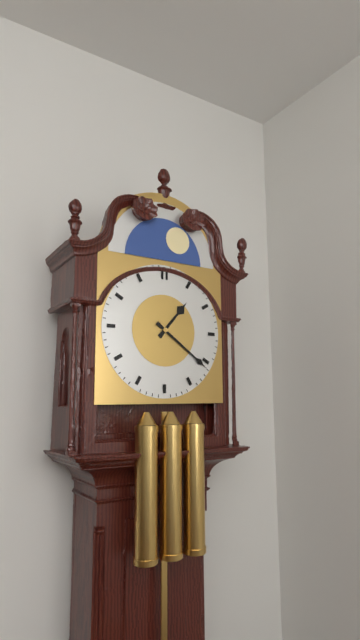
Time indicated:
1h21
